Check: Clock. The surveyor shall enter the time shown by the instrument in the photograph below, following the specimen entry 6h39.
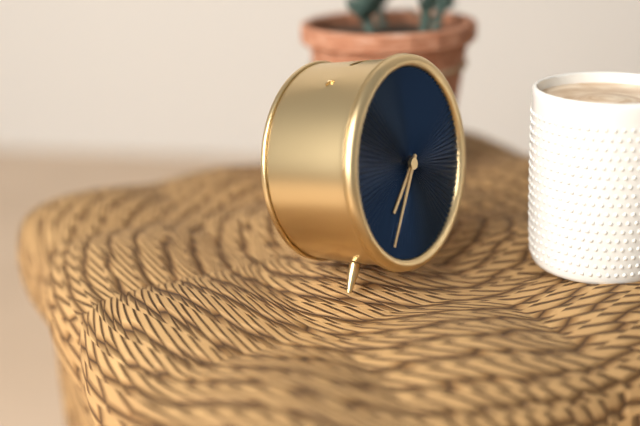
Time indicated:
7h36
